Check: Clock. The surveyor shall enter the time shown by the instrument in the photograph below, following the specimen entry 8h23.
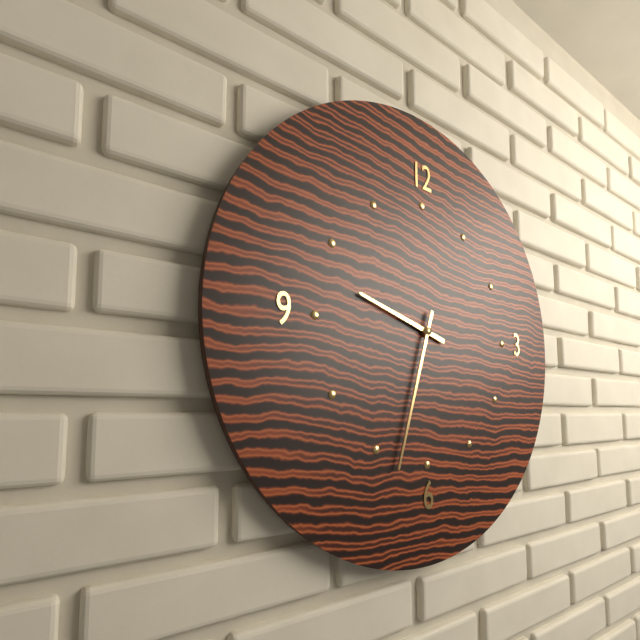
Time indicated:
9h33
